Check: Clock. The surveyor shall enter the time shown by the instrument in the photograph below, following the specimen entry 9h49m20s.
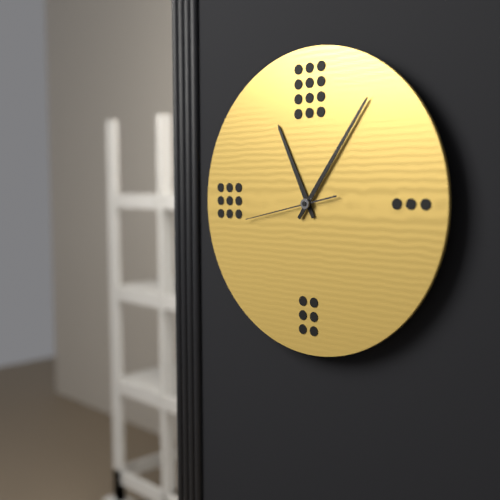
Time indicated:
11h06m43s
